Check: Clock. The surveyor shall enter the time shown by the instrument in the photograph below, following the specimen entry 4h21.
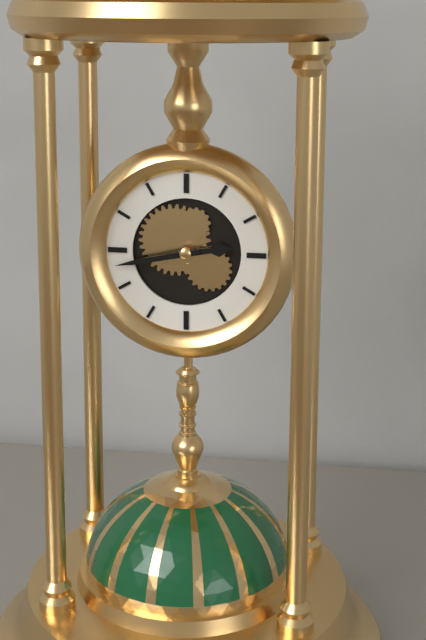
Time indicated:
2h43
